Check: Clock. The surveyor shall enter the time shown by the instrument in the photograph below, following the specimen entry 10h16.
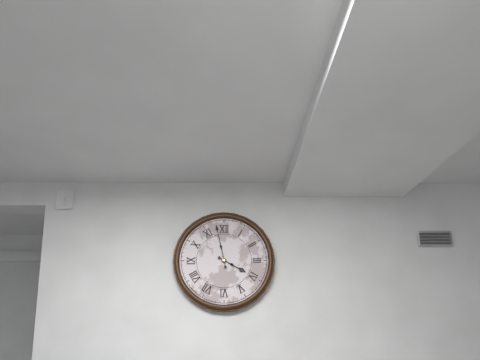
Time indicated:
3h58
